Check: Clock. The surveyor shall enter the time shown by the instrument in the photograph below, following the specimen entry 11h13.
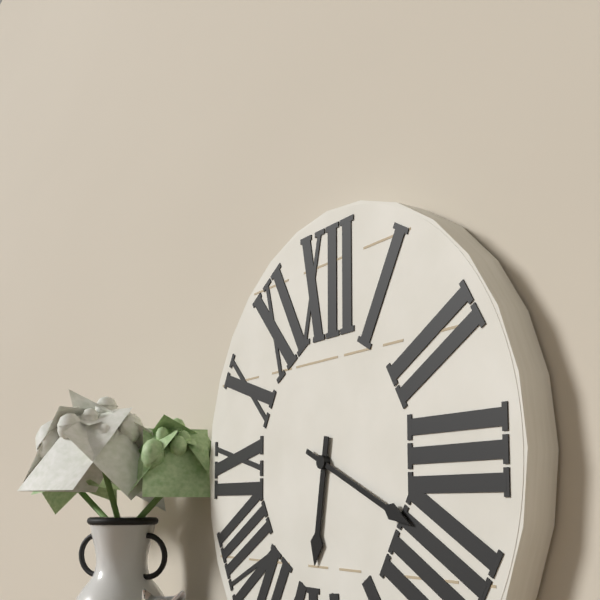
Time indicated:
6h19
